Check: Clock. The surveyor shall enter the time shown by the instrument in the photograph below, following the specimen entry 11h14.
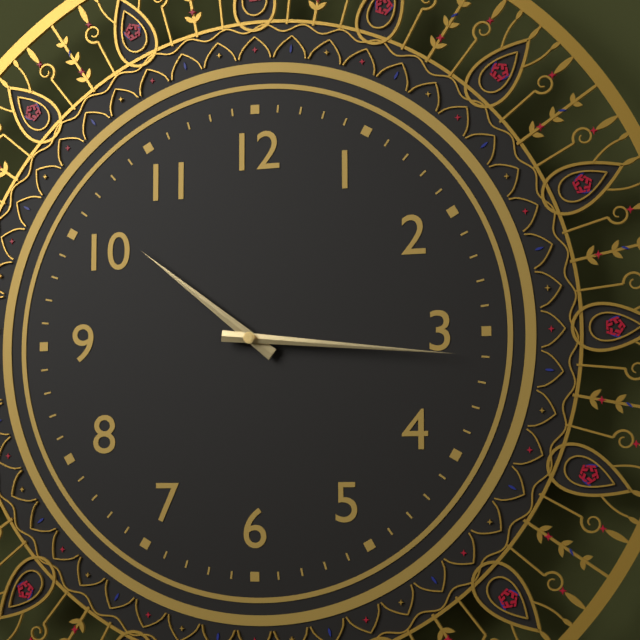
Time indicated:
10h16
